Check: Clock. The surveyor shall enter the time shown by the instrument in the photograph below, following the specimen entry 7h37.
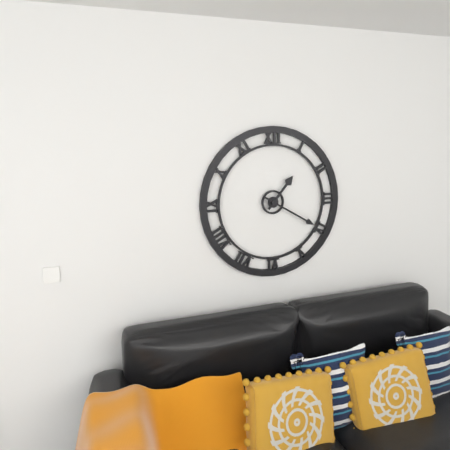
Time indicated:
1h20
